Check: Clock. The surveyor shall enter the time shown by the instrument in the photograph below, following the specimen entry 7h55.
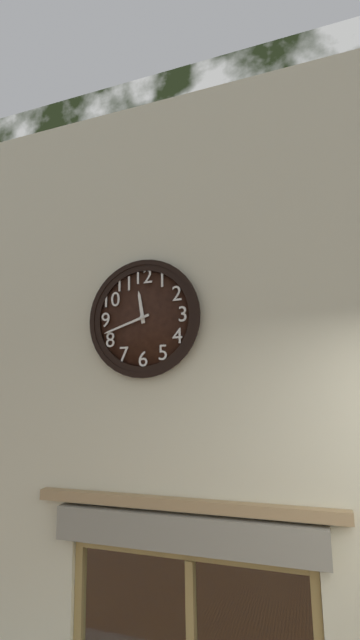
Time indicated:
11h42
